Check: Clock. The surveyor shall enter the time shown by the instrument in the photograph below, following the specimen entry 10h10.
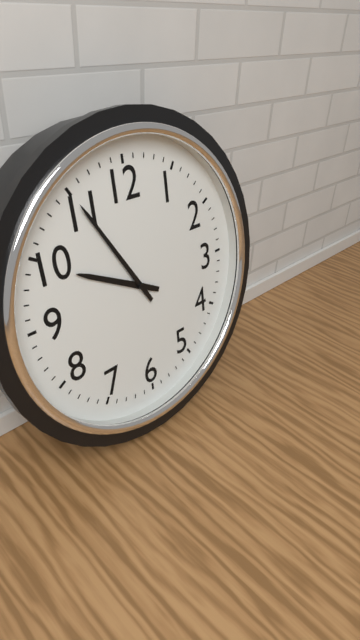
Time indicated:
9h55
